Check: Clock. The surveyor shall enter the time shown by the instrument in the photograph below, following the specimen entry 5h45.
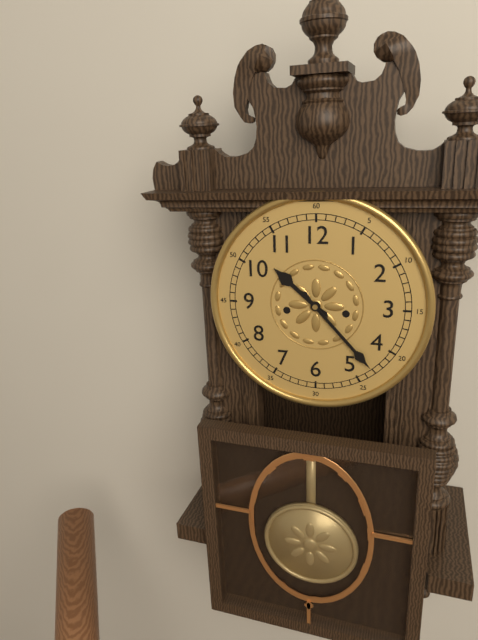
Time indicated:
10h23
